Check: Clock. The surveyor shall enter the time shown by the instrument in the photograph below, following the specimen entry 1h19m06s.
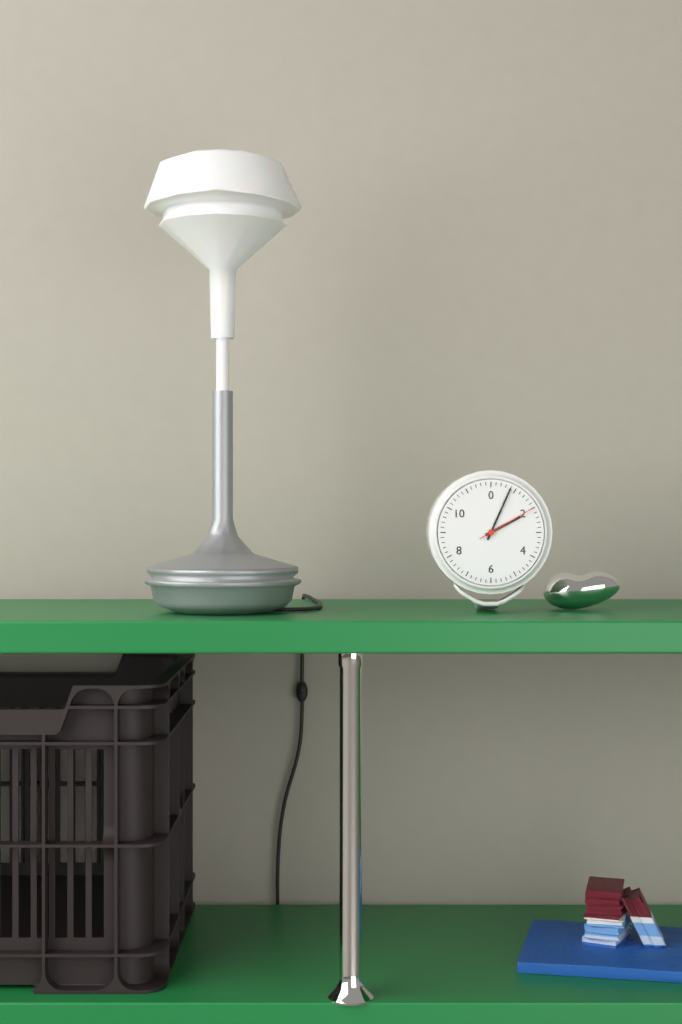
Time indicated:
2h04m10s
